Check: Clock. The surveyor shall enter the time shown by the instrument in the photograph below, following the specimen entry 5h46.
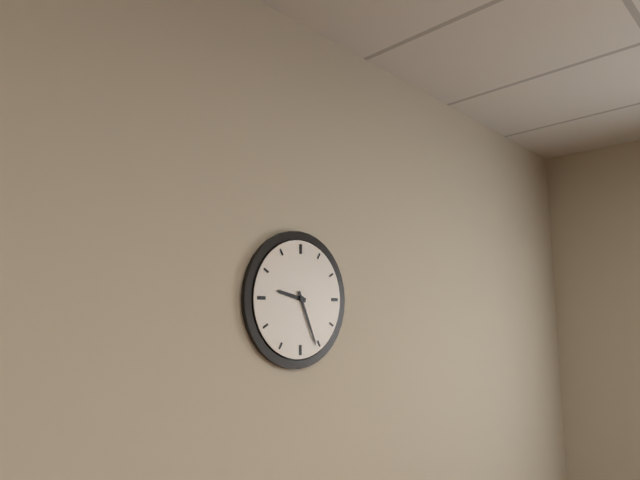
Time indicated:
9h26
